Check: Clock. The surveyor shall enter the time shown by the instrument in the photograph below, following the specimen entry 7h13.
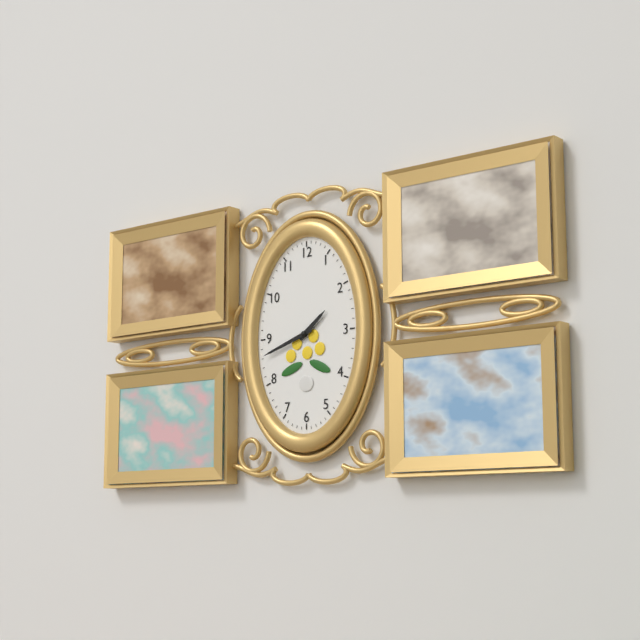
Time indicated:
1h42
